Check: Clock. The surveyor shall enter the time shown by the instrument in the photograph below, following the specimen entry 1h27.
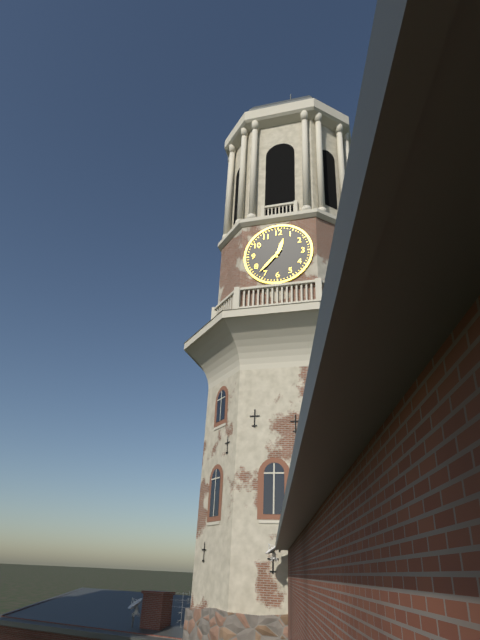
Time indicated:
12h37
